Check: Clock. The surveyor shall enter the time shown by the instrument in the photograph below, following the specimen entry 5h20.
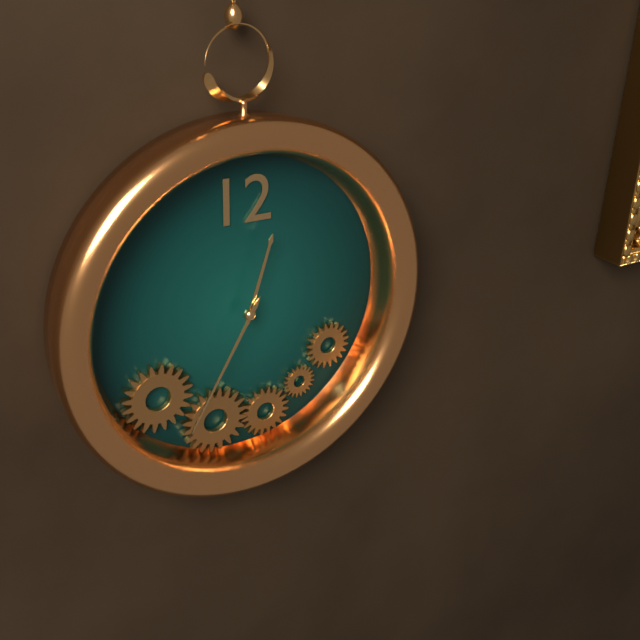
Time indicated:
12h35
